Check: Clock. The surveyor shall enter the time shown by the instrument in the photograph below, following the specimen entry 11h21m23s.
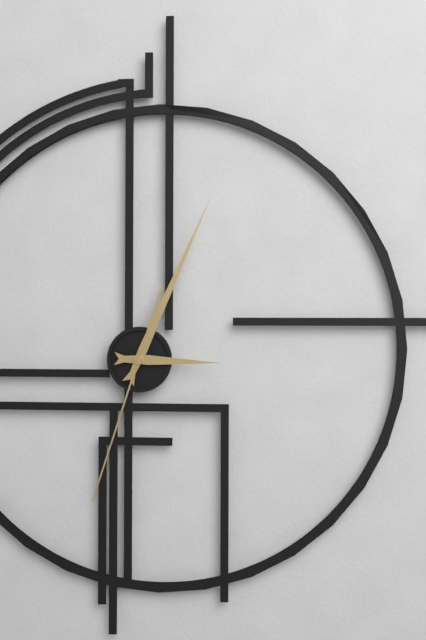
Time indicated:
3h04m33s
